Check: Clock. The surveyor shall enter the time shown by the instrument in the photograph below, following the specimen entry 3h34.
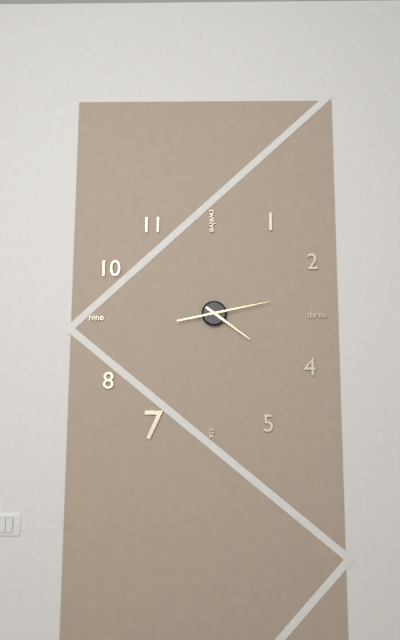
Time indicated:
4h13
